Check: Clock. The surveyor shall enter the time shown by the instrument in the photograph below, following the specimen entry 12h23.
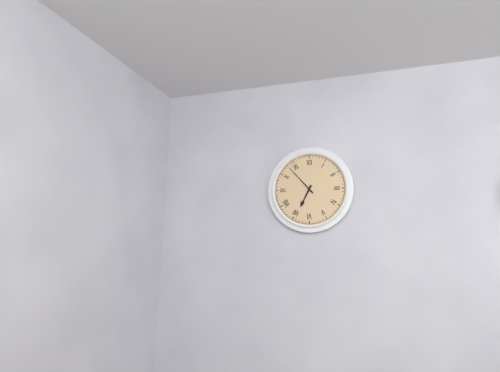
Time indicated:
6h53
